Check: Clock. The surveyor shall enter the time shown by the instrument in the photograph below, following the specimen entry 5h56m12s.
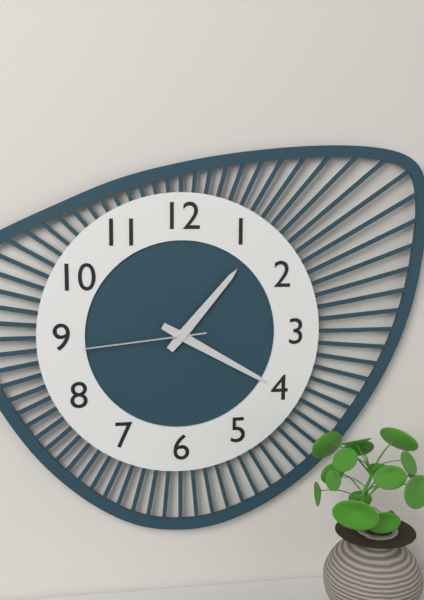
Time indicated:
1h20m44s
